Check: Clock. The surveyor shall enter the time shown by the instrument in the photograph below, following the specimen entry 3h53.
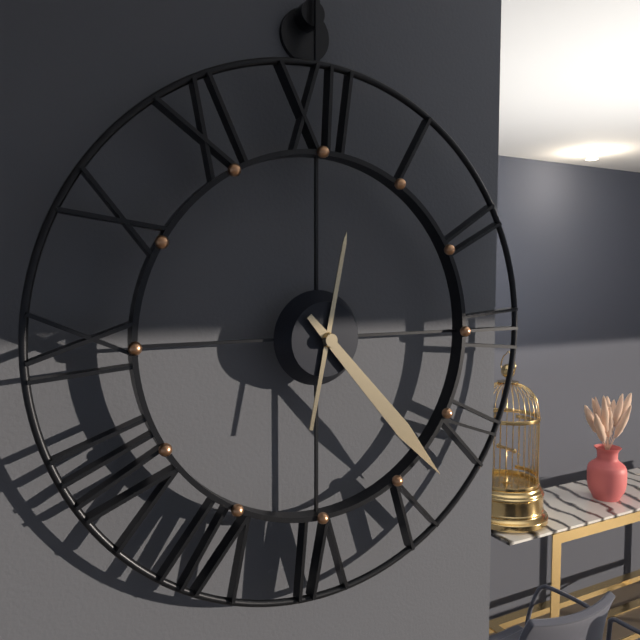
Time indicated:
12h23
